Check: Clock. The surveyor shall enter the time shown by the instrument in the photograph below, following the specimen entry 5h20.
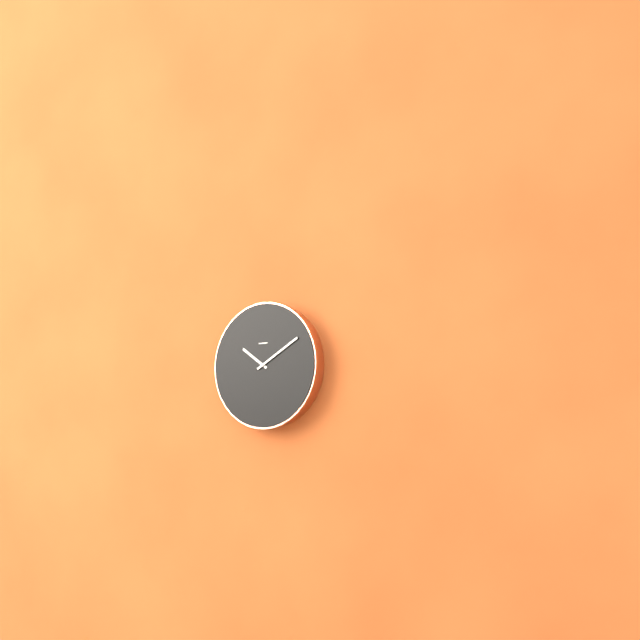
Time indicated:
10h10
